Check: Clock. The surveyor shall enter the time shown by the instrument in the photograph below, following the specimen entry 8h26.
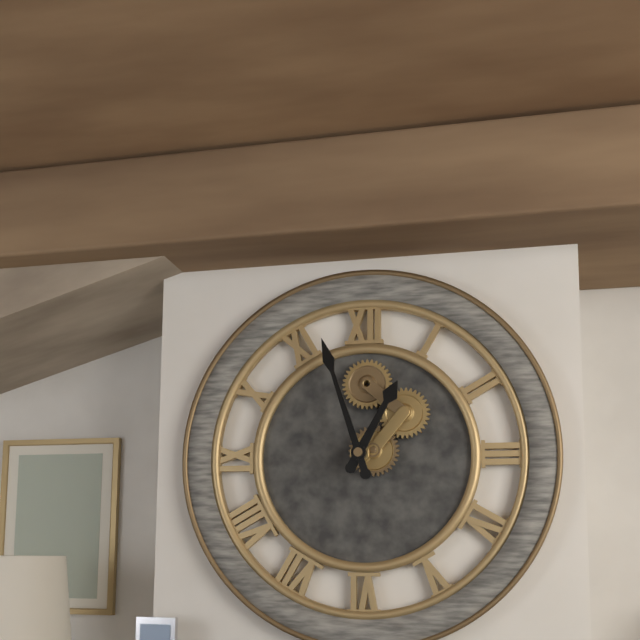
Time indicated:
12h57
